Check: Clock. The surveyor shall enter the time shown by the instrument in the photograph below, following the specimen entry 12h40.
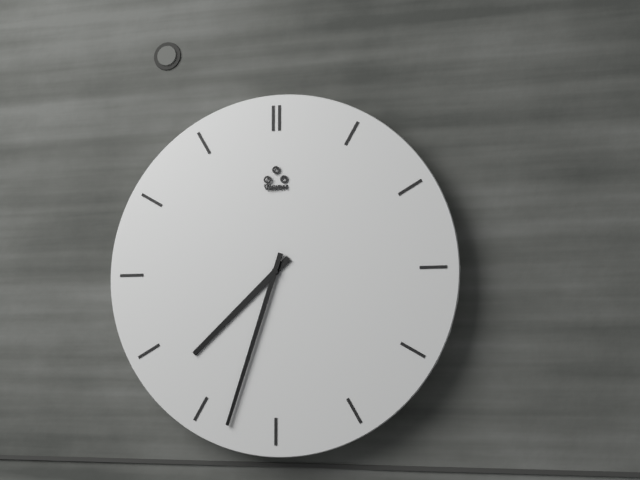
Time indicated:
7h33
